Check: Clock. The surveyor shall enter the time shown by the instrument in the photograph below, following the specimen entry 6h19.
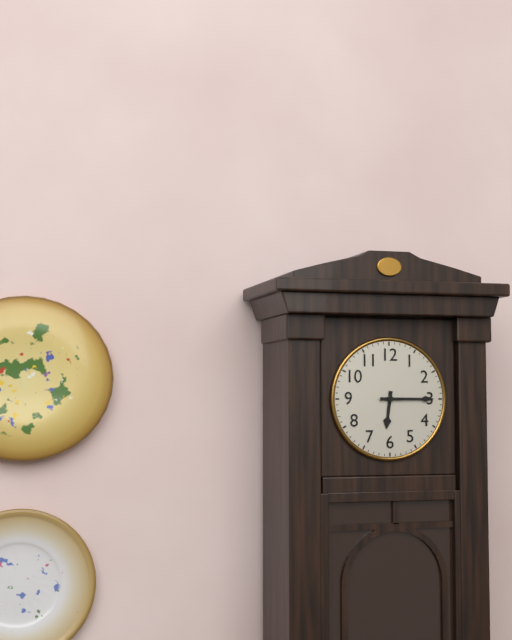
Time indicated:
6h15
